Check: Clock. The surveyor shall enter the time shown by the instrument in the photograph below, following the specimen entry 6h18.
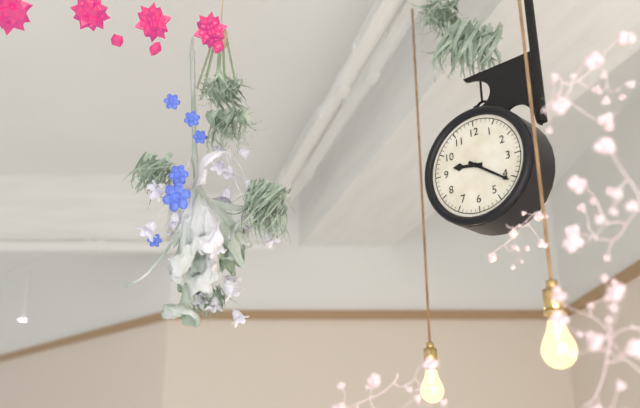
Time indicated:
9h21
